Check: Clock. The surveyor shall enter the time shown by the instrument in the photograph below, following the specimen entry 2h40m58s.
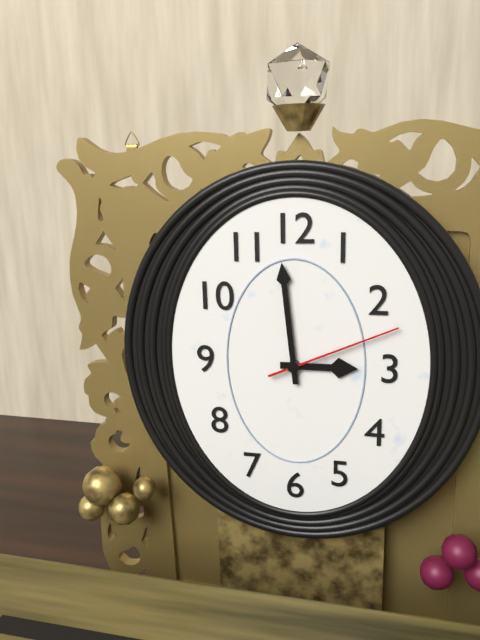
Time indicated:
2h59m11s
